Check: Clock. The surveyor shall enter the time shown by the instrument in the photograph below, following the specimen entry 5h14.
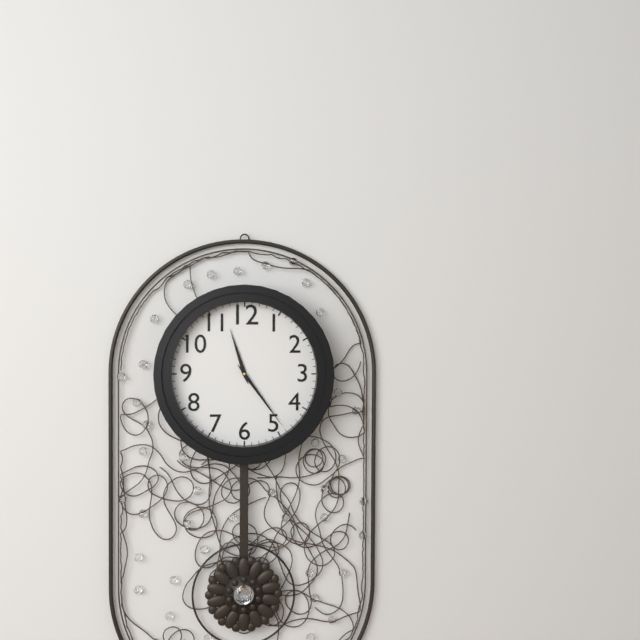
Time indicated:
11h24
